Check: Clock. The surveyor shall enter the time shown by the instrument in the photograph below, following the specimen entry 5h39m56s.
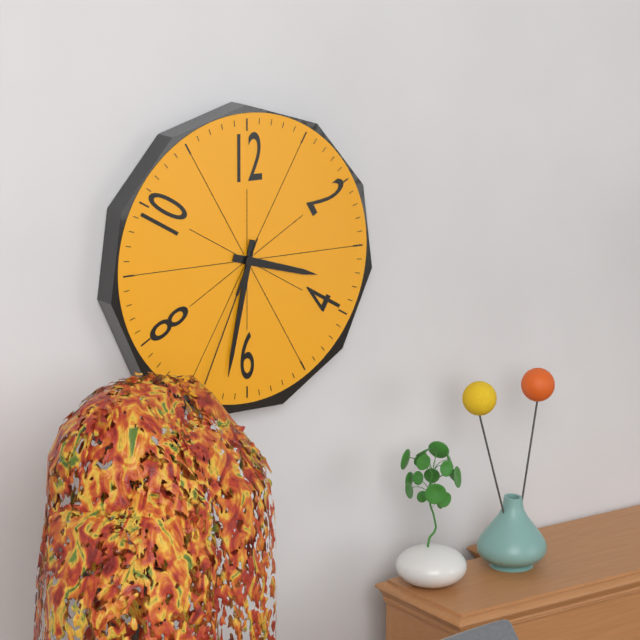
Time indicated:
3h32m34s
